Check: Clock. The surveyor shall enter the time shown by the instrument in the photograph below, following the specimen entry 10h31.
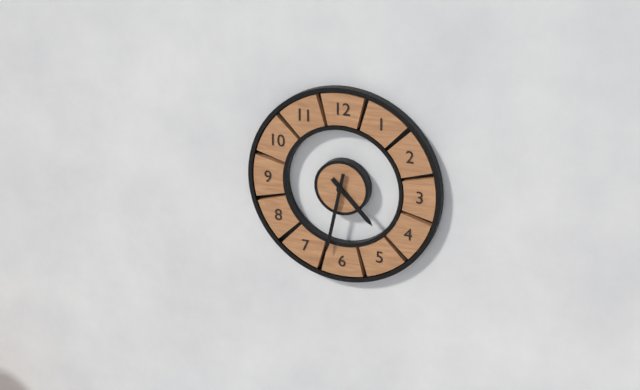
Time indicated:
4h32
